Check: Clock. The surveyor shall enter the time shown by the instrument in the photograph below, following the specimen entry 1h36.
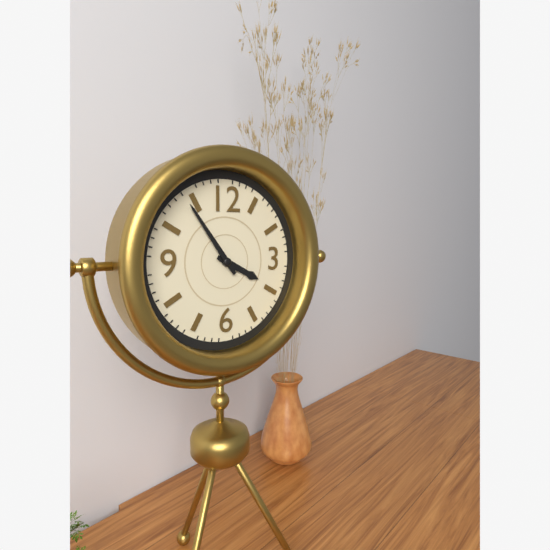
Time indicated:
3h54
